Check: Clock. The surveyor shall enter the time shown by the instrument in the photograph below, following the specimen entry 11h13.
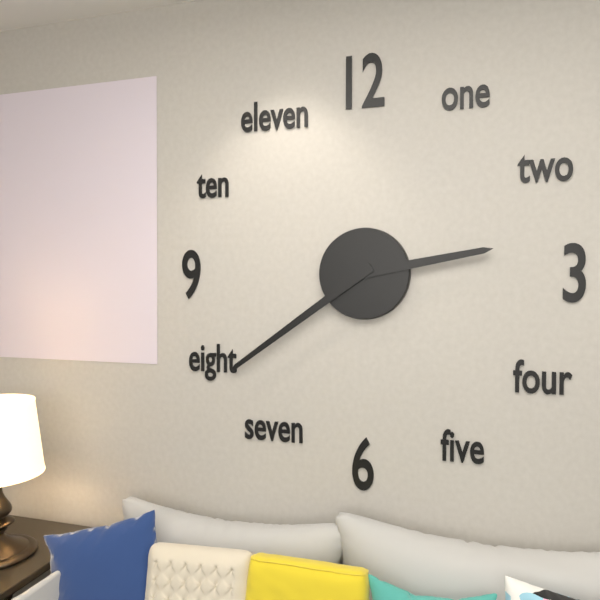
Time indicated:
2h39
